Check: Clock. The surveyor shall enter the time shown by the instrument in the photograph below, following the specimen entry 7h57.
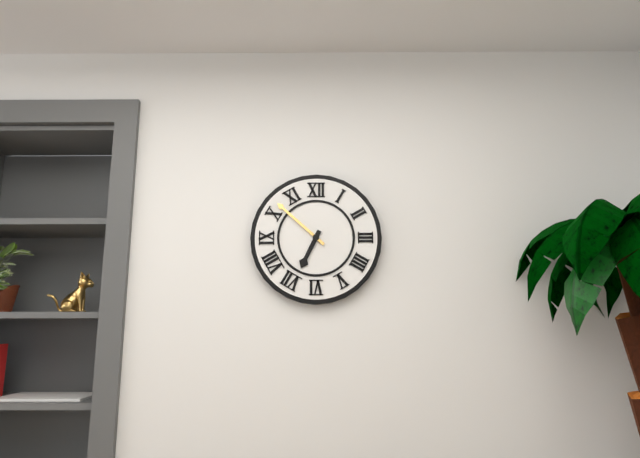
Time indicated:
6h52
